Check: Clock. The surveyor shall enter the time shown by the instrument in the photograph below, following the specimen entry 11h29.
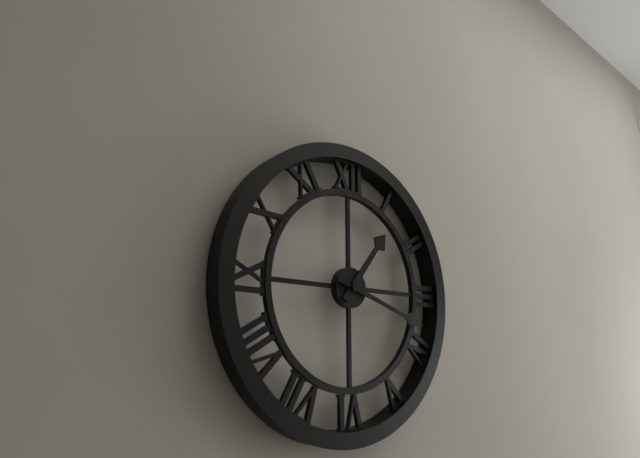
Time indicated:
1h18
